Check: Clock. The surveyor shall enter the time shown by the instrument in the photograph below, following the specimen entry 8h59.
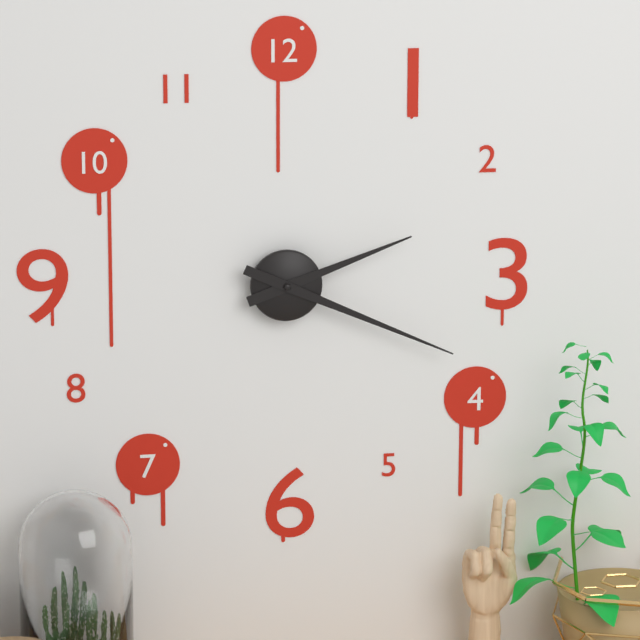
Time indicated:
2h19
